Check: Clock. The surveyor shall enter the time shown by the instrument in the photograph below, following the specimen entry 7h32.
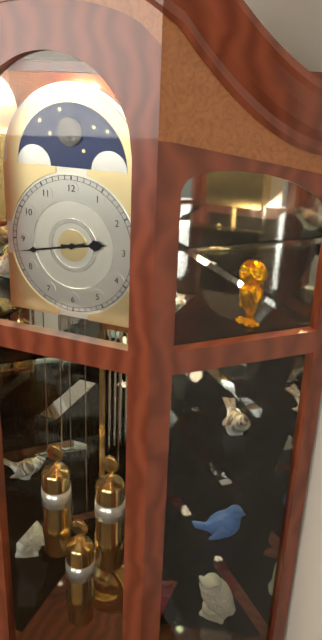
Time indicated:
2h43
